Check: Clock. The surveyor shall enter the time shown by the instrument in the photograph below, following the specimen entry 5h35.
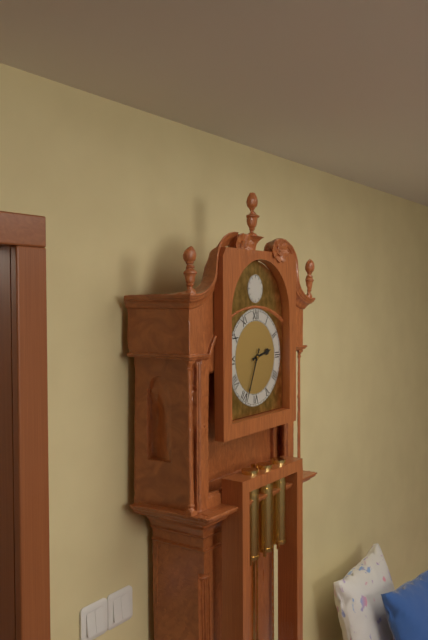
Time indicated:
2h34
